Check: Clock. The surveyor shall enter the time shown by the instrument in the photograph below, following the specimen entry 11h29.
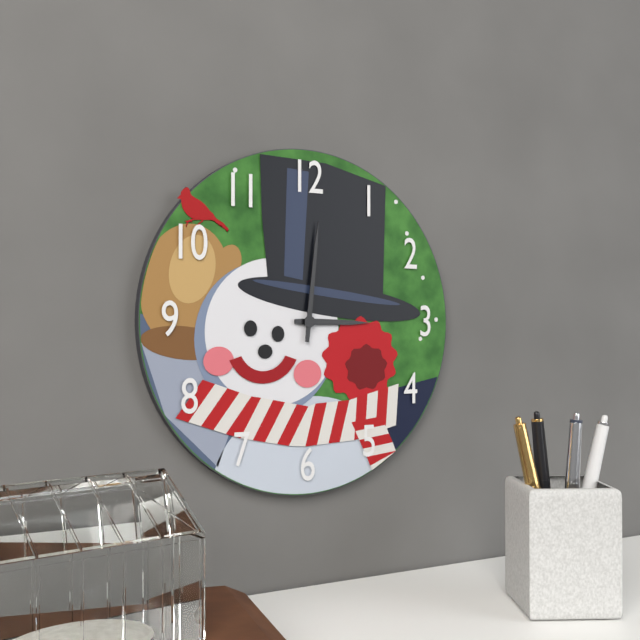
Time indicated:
3h01
